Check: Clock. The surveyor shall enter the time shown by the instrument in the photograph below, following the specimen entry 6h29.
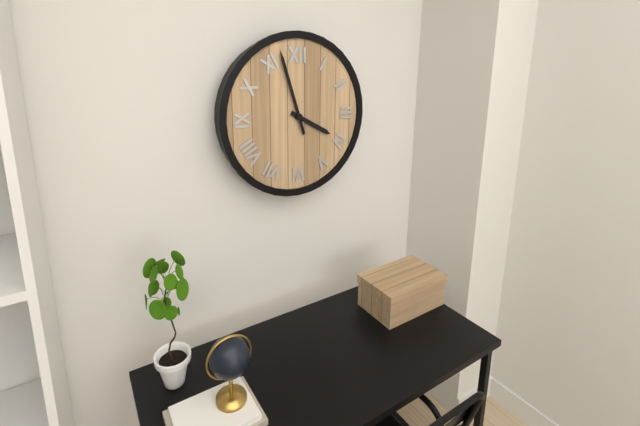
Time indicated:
3h57
